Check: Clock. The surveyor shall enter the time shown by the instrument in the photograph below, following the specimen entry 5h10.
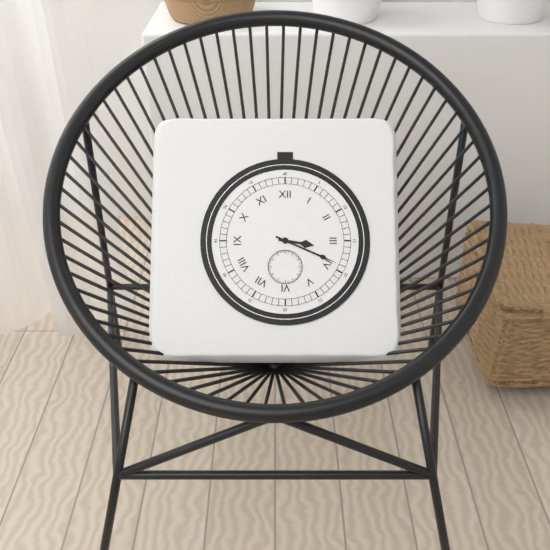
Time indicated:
3h19
